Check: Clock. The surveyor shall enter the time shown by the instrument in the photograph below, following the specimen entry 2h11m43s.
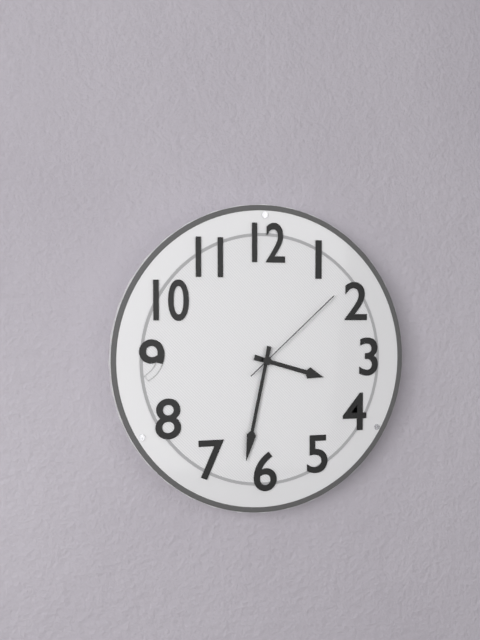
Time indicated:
3h32m08s
